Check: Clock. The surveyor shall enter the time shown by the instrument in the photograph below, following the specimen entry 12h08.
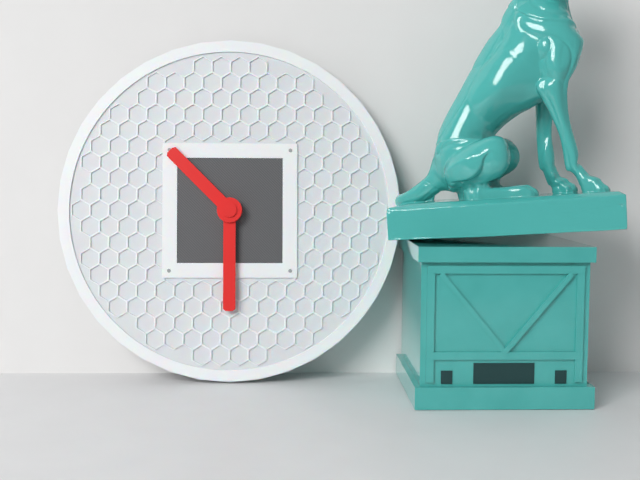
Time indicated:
10h30
